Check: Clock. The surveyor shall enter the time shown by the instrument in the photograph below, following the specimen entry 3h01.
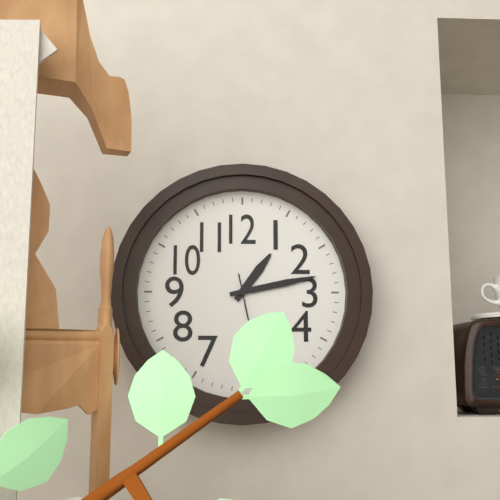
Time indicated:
1h13
